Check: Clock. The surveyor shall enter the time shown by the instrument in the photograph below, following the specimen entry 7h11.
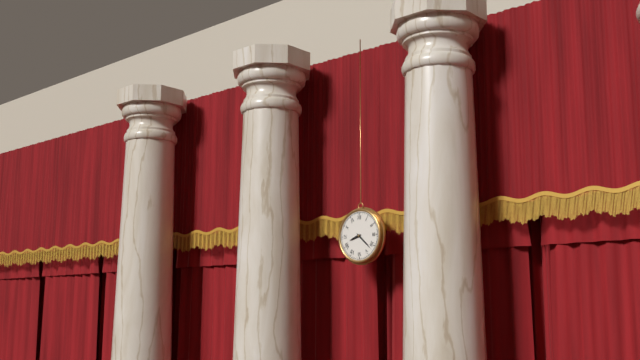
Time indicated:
8h22
